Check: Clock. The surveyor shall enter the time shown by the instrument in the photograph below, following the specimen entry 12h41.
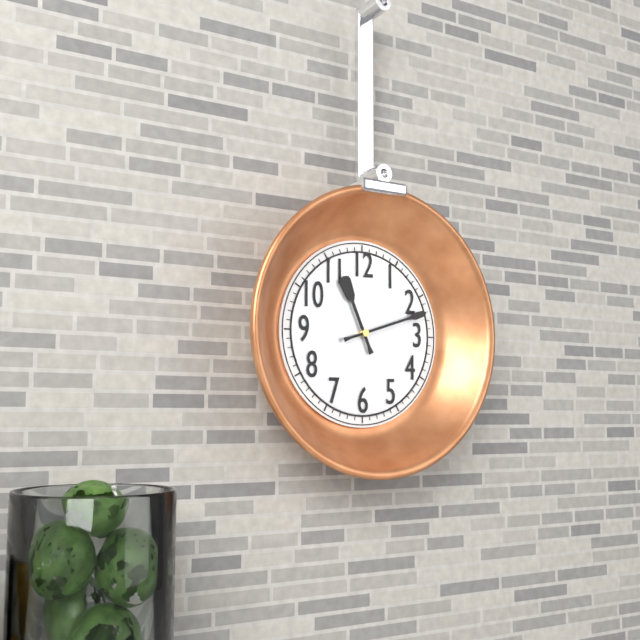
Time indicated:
11h12
